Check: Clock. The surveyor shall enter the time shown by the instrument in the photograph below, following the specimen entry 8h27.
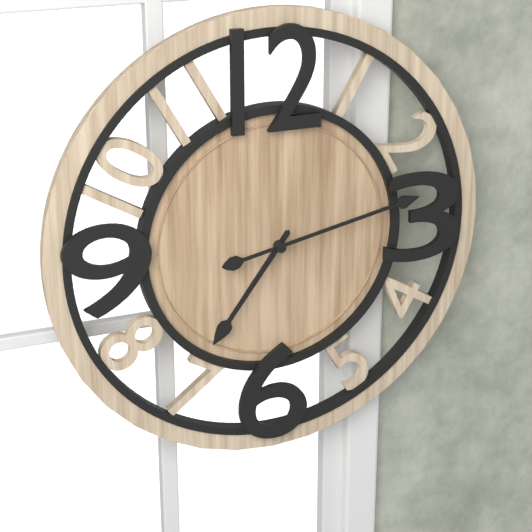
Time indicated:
7h13
